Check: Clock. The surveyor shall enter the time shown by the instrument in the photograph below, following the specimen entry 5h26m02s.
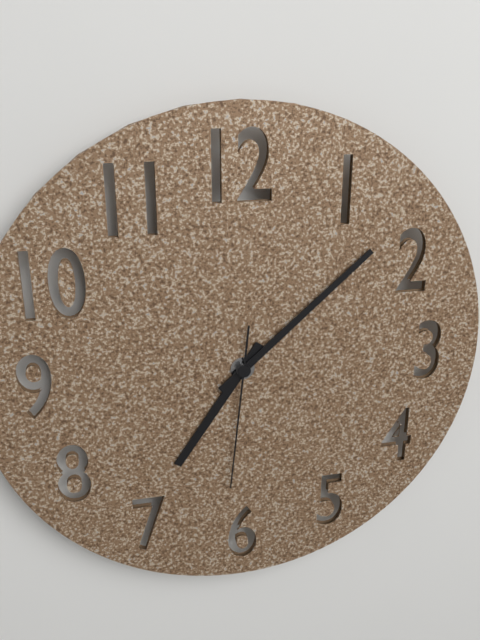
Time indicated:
7h08m31s
